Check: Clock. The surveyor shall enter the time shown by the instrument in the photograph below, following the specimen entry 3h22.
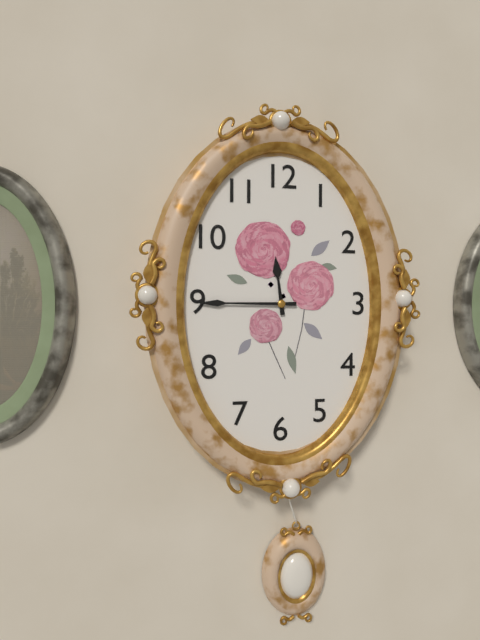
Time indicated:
11h45
